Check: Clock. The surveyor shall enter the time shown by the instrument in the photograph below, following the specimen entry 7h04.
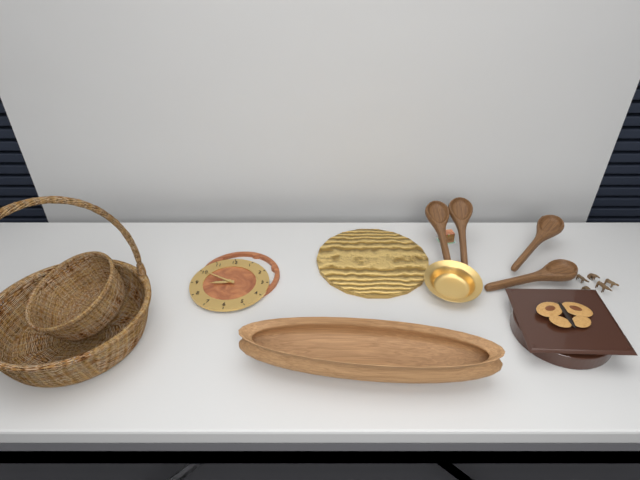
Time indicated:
8h50
